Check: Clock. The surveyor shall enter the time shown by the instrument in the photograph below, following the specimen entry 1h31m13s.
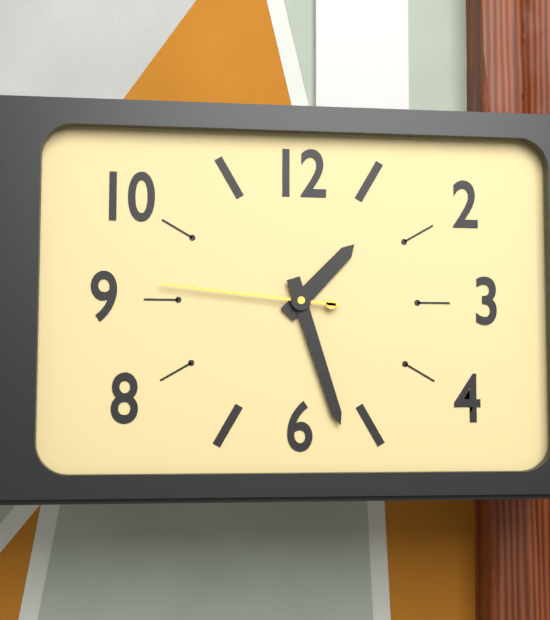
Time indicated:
1h27m46s
